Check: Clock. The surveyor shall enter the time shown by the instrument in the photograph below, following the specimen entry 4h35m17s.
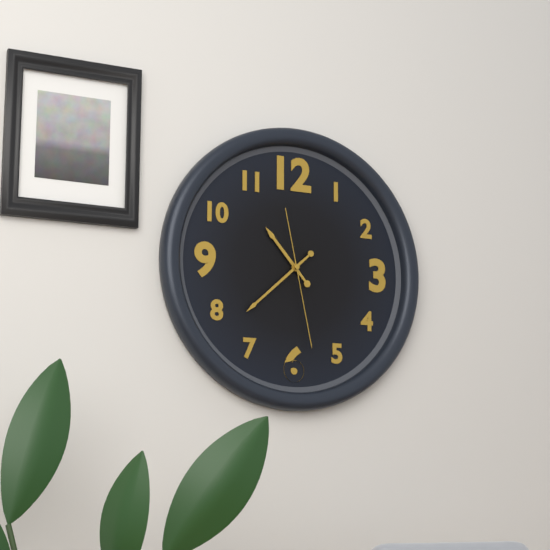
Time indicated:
10h38m28s
